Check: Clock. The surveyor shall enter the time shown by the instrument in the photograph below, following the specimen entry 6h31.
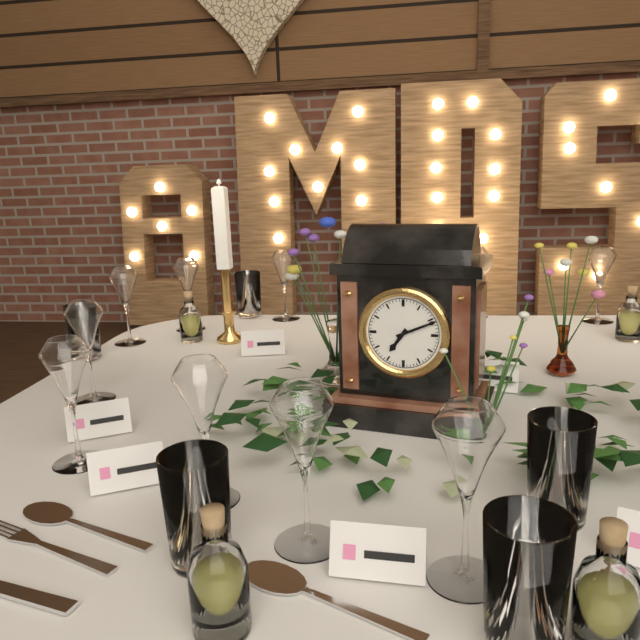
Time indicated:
7h11
